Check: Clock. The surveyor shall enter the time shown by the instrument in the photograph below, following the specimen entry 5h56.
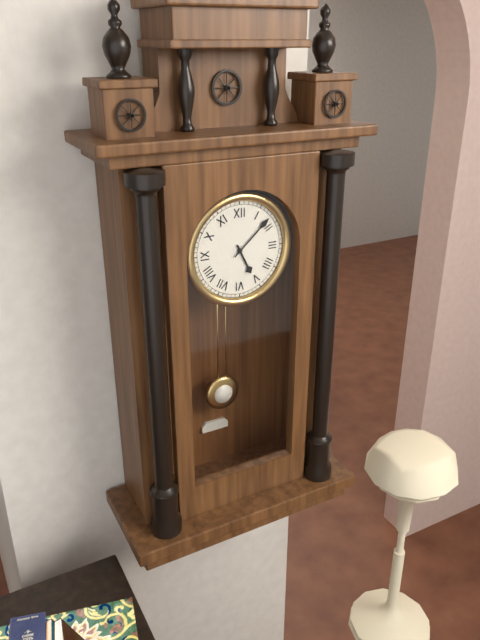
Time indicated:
5h08
